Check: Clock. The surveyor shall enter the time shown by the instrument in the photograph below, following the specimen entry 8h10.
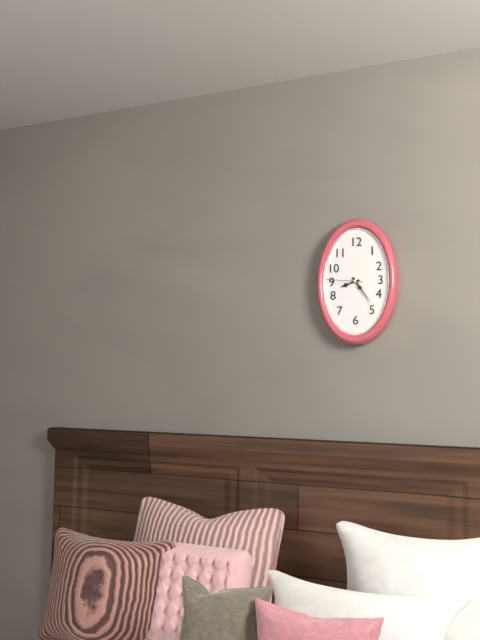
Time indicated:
8h24
